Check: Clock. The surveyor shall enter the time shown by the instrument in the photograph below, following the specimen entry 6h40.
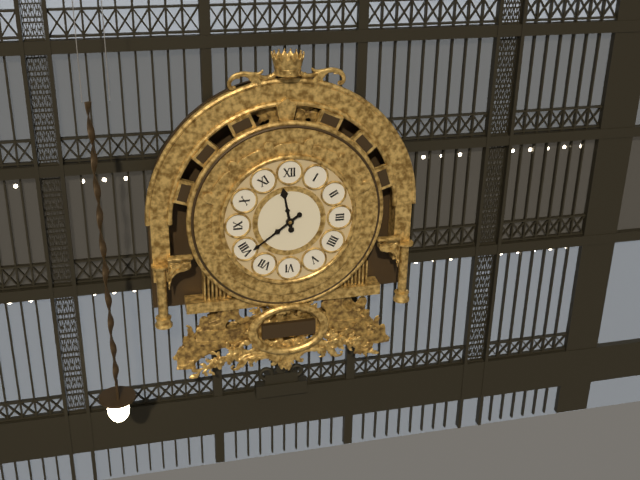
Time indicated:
11h39
